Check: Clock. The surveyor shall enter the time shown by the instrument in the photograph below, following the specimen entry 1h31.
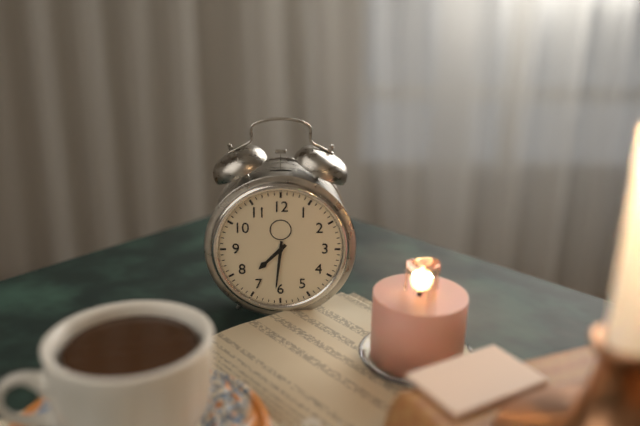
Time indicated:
7h31
